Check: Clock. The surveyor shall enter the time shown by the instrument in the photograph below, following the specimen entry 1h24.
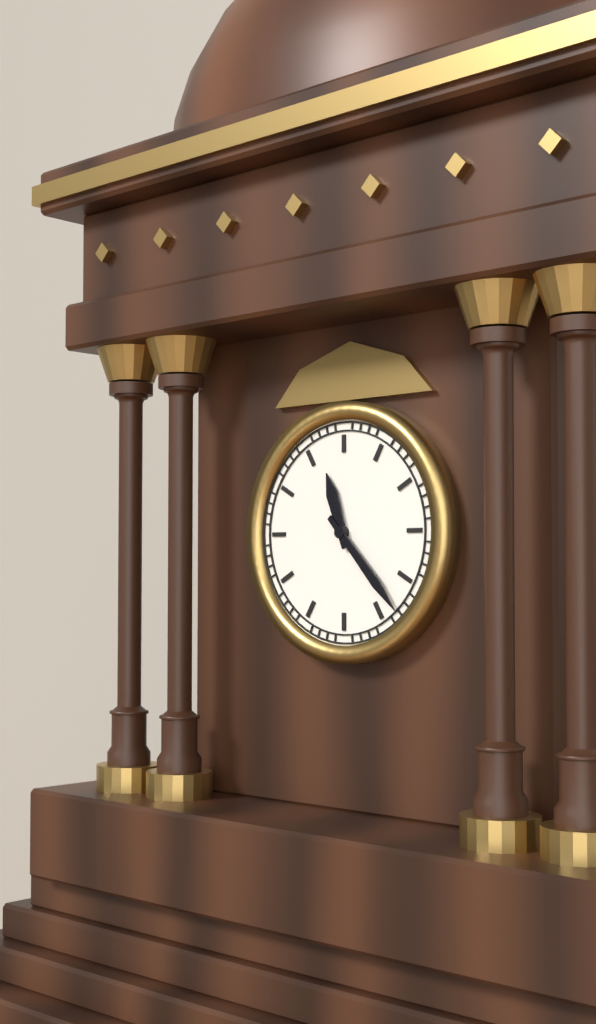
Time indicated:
11h23
